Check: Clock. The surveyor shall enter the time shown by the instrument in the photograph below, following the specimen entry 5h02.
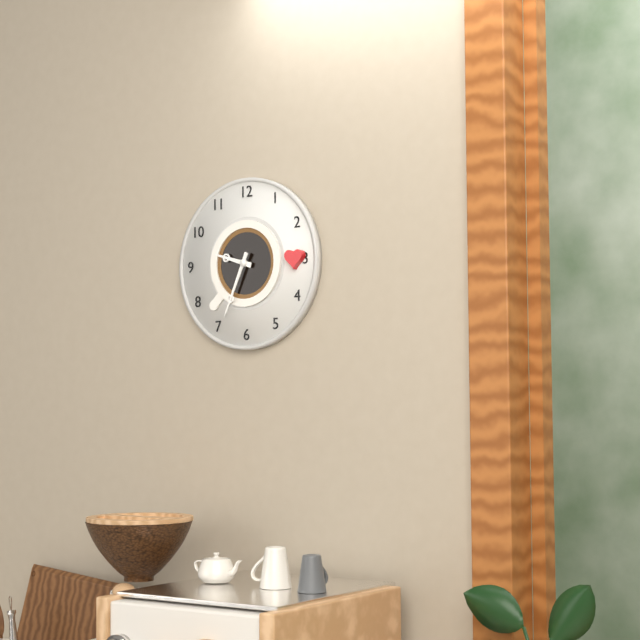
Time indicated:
9h34
